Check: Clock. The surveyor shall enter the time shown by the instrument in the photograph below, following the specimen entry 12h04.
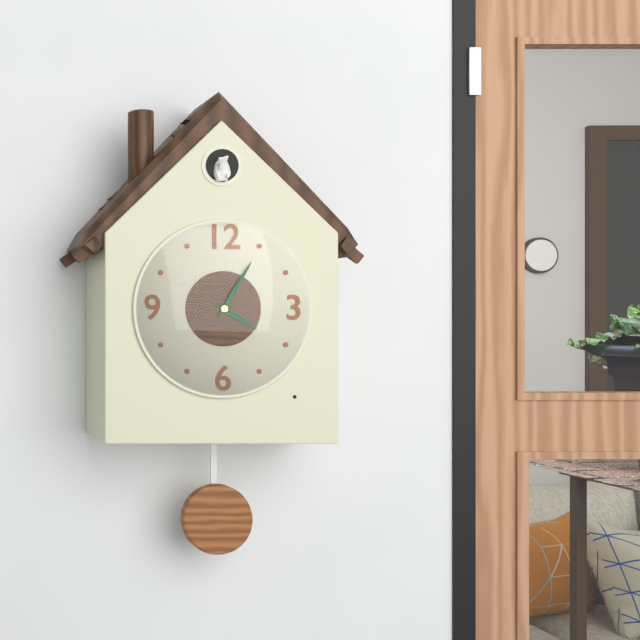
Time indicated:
4h05
